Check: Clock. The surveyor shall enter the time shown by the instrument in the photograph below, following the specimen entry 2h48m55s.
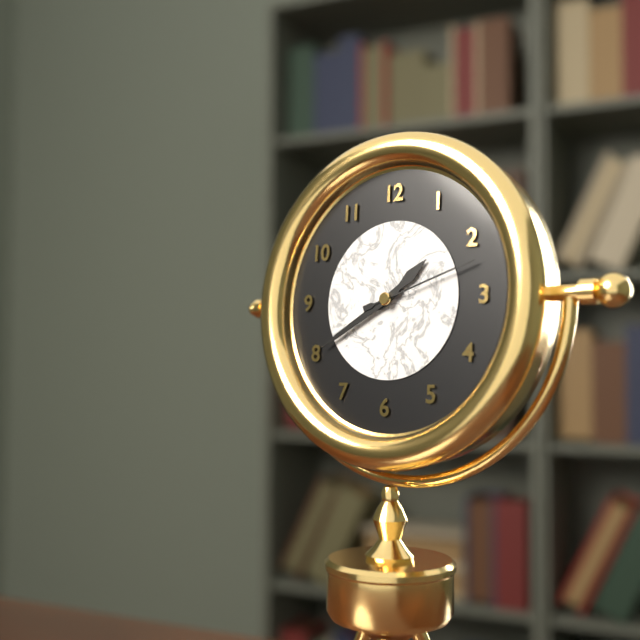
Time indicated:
1h40m12s
